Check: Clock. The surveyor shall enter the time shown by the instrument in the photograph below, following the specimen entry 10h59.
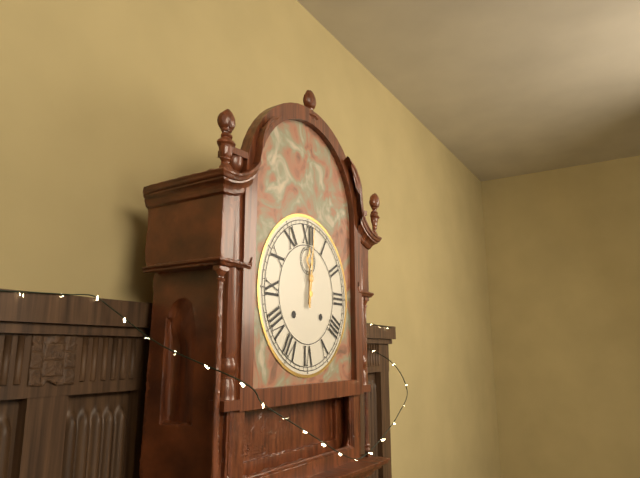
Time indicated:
12h01
